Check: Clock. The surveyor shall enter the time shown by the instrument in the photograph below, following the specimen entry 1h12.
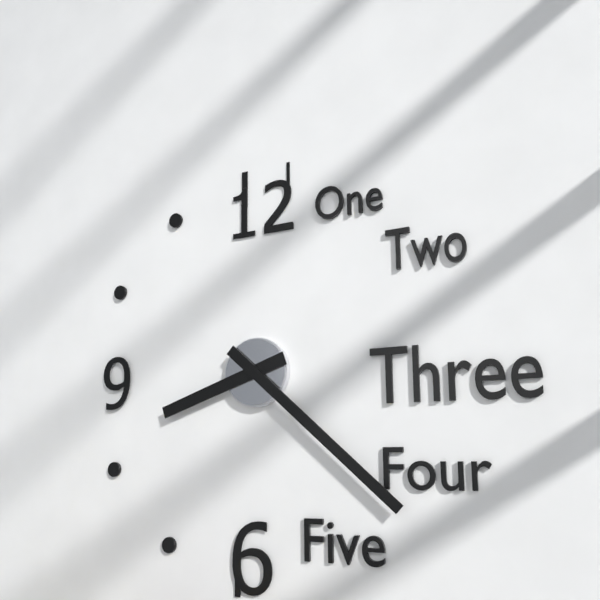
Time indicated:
8h22
